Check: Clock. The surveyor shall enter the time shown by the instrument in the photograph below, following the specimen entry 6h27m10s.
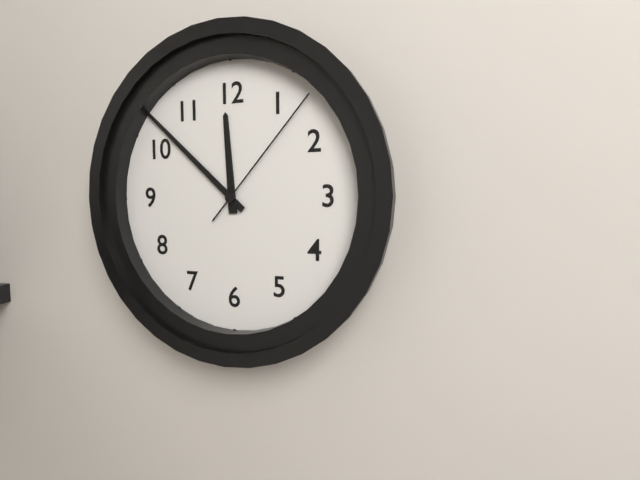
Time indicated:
11h52m07s
